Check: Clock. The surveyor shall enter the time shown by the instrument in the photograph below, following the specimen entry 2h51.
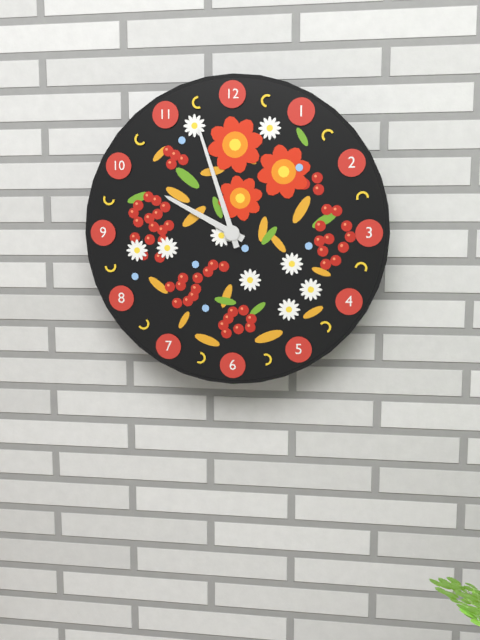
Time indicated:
9h57
